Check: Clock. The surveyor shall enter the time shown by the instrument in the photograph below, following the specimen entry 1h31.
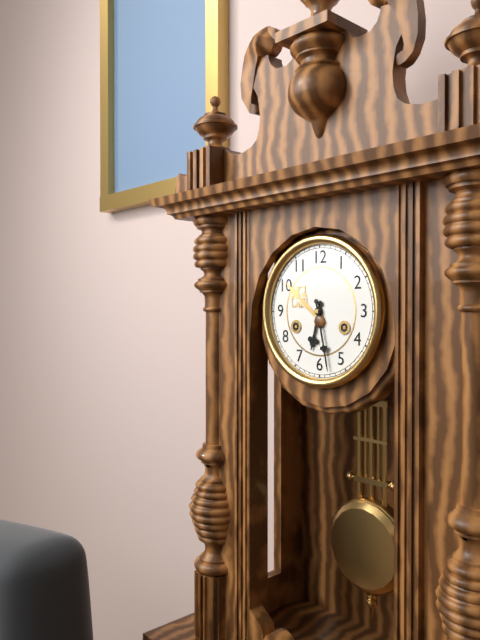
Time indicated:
6h28
